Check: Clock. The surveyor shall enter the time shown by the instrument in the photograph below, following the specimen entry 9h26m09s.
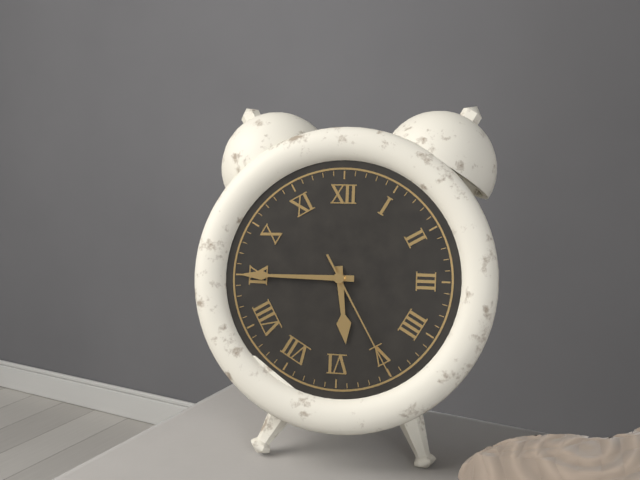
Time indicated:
5h45m25s
